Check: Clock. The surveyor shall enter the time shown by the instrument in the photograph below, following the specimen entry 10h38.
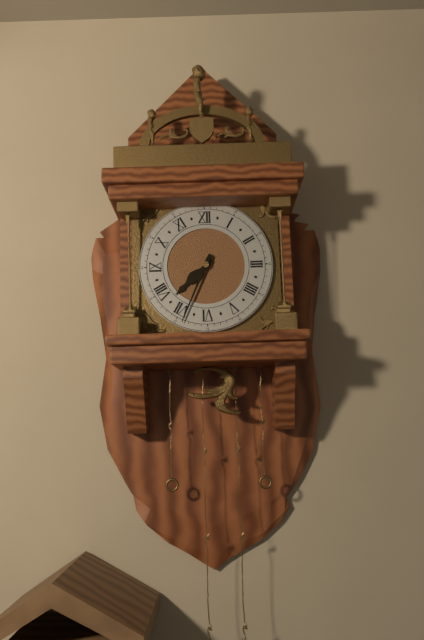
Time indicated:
7h34
